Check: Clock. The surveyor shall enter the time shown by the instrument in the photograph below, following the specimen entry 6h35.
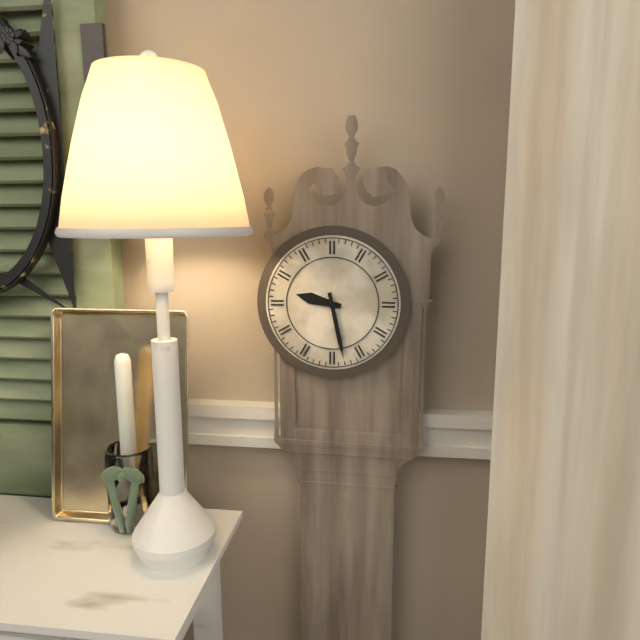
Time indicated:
9h28
